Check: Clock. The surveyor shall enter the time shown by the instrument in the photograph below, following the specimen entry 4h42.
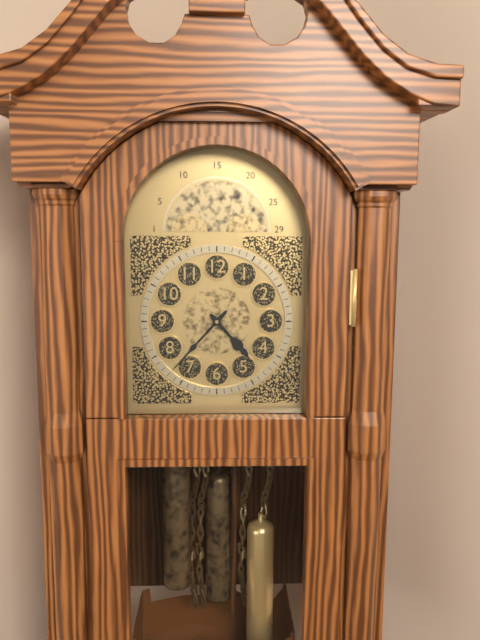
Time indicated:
4h37
